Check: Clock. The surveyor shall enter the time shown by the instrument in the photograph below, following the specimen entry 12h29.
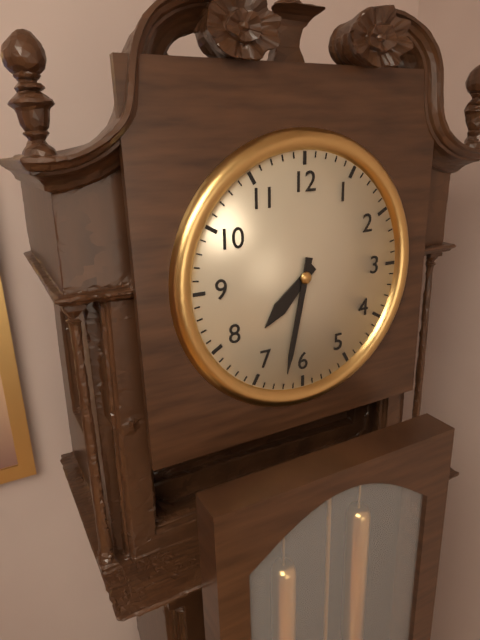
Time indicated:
7h32
